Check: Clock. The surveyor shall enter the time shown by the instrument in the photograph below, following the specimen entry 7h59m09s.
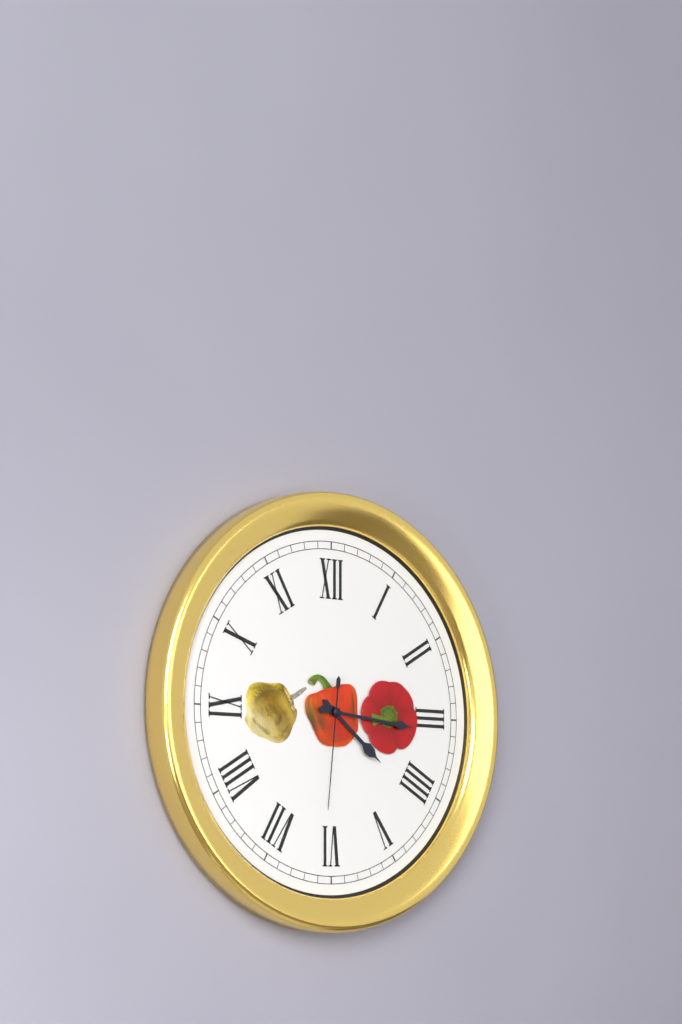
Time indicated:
4h16m31s
